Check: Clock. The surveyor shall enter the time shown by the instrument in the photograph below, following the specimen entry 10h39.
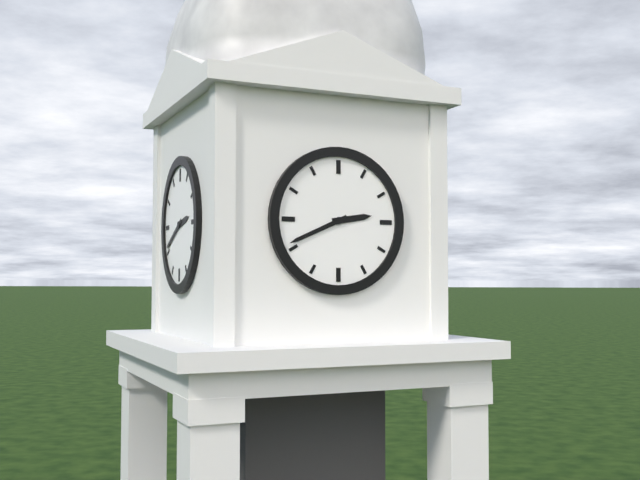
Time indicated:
2h41
